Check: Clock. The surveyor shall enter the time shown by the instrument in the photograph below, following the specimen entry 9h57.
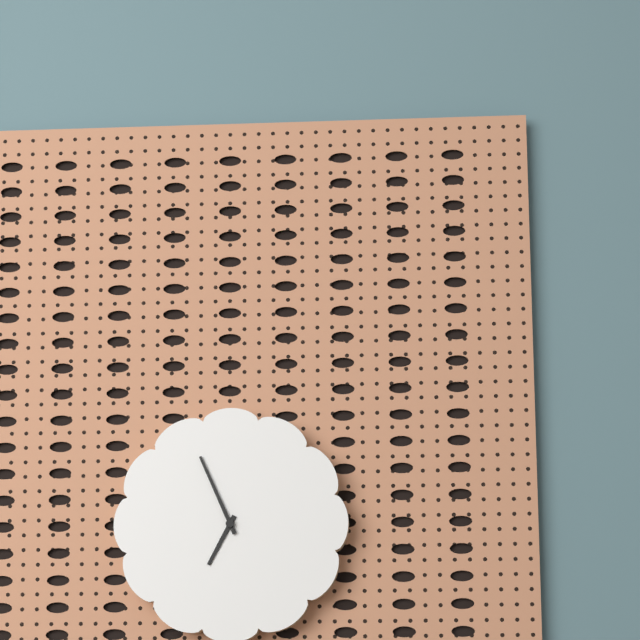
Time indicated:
6h56
